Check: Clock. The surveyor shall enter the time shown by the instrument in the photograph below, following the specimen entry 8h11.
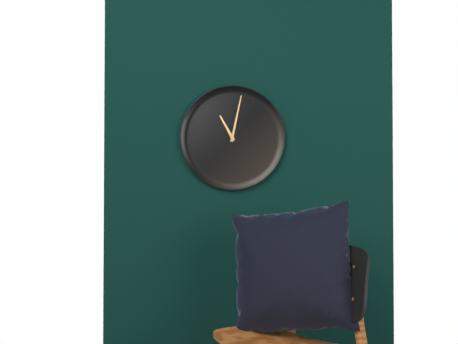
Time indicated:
11h02
